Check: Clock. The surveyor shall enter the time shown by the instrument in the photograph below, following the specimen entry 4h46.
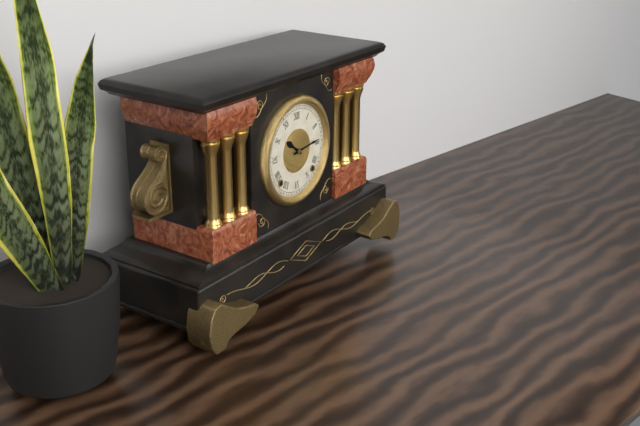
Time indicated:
10h14
